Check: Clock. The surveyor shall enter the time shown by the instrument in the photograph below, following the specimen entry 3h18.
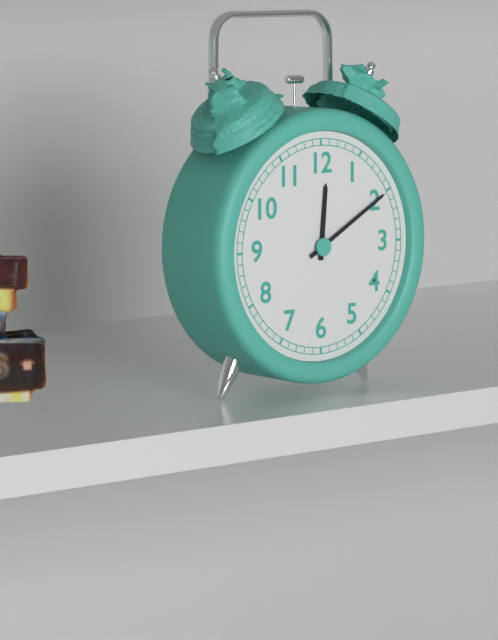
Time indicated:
12h10
